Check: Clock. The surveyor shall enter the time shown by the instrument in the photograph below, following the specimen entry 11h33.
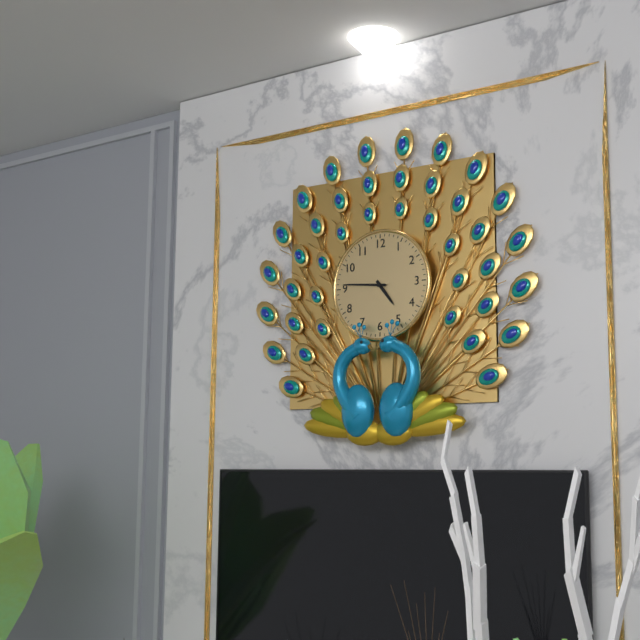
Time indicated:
4h46
